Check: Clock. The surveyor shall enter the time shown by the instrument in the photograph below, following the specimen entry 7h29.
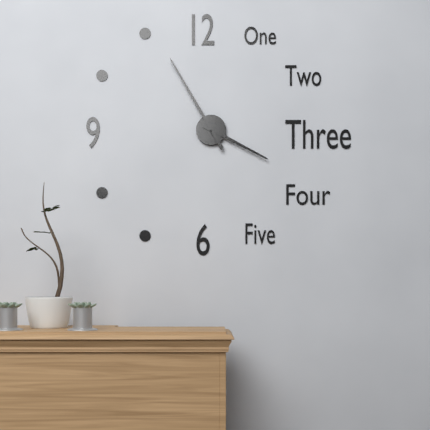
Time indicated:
3h55
